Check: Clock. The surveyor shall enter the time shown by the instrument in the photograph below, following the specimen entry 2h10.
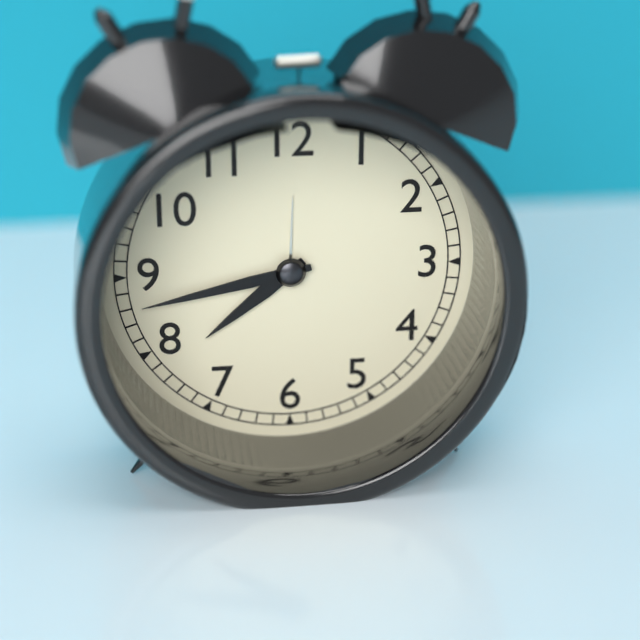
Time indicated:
7h43
